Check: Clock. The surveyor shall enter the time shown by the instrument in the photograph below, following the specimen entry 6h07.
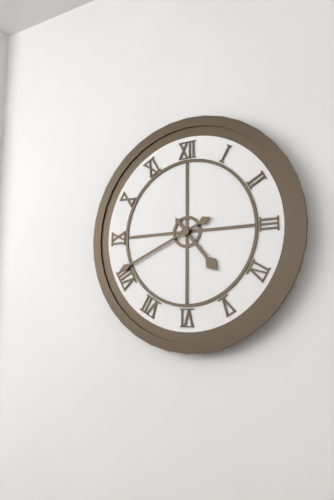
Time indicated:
4h41
